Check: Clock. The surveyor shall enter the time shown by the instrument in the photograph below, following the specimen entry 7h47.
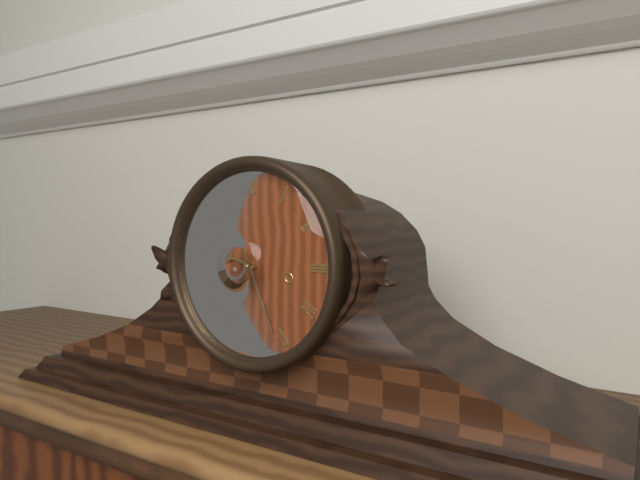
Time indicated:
9h26
